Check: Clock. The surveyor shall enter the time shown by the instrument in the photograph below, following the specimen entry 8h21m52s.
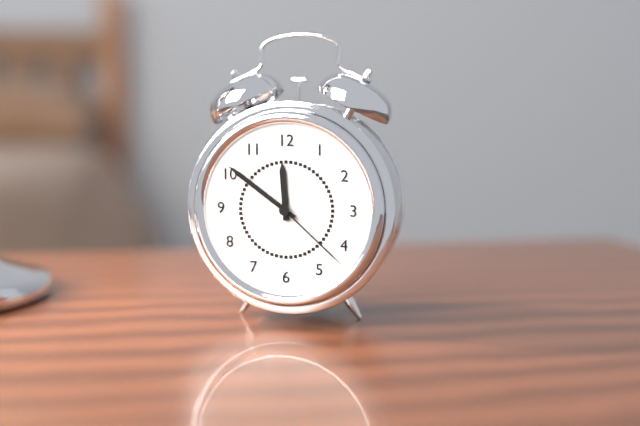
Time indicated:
11h51m22s
